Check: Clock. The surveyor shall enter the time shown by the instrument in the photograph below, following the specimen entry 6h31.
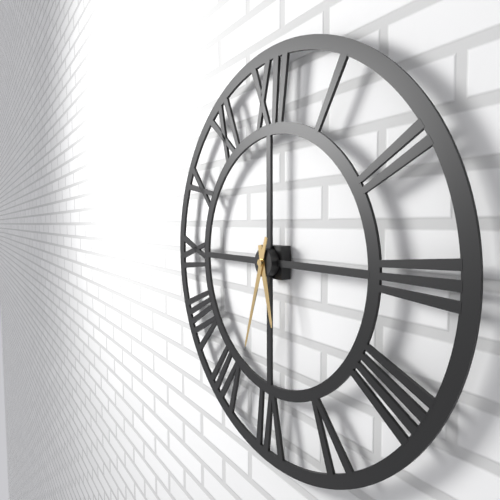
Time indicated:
5h33
